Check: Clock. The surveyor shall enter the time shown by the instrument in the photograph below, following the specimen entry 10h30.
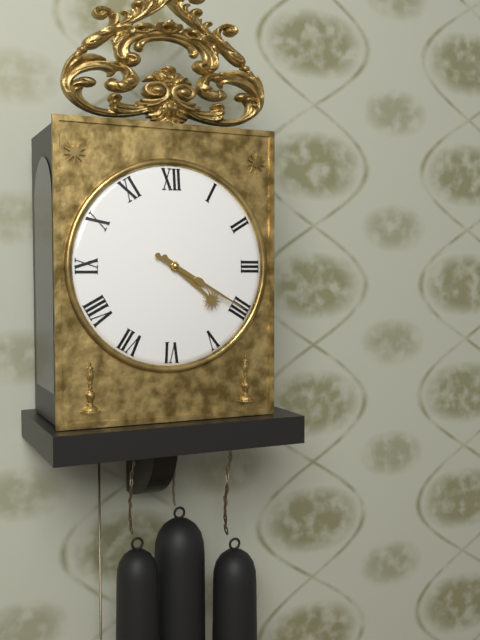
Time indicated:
4h20
